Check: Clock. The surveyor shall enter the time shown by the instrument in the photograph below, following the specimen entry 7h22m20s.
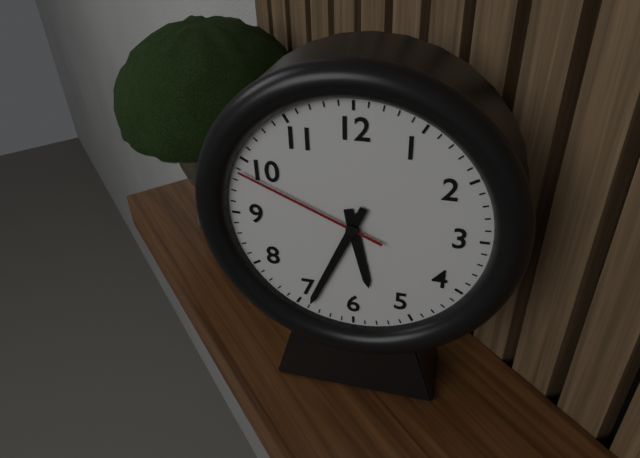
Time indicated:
5h34m49s
